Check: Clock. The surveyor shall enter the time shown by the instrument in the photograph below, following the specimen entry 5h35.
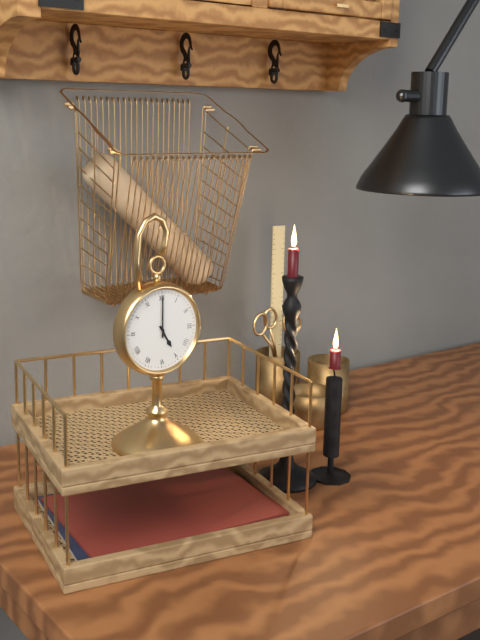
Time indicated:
5h00
